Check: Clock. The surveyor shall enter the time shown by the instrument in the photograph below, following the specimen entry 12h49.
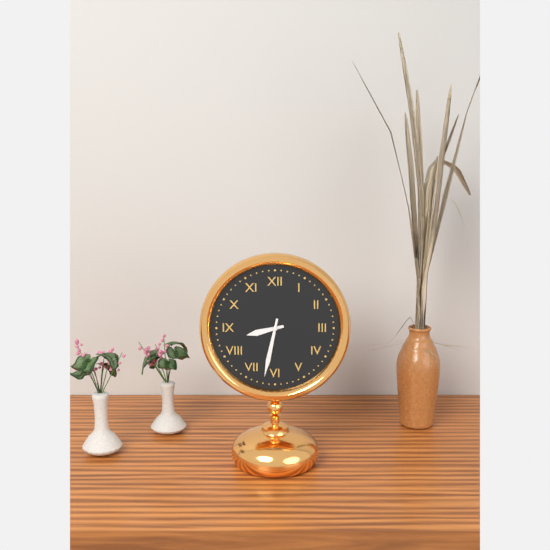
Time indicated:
8h32
